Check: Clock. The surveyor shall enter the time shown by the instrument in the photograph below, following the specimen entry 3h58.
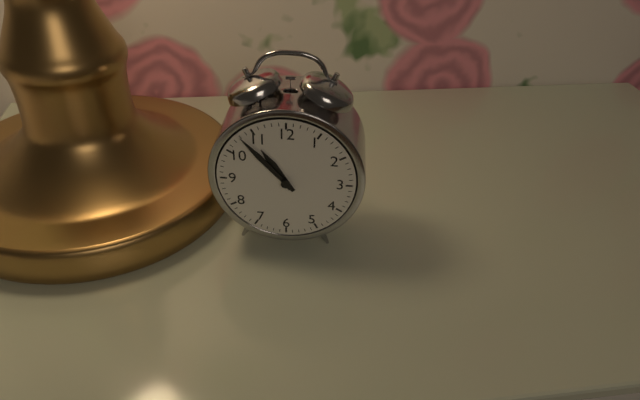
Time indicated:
10h53
